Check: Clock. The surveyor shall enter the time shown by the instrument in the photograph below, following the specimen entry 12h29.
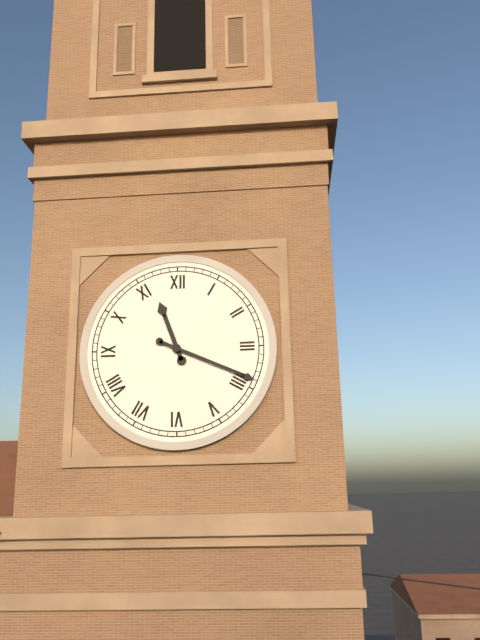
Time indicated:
11h19
